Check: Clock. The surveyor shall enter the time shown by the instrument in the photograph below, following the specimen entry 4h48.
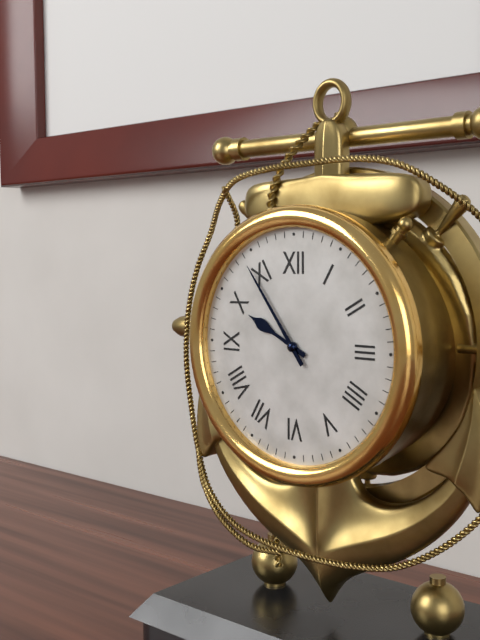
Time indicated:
9h54
